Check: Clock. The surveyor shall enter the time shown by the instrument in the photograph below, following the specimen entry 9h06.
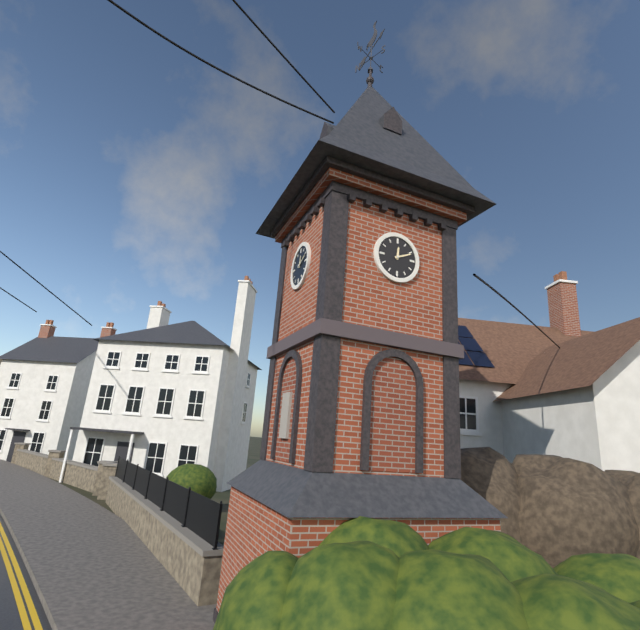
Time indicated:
12h11
